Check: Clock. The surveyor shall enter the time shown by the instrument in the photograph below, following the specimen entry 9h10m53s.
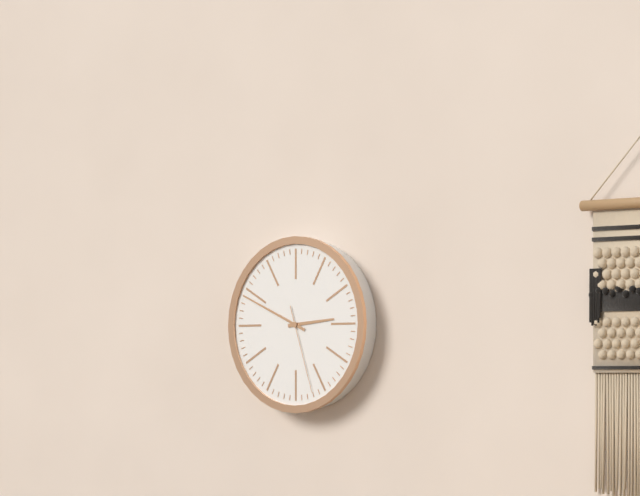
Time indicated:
2h49m27s
